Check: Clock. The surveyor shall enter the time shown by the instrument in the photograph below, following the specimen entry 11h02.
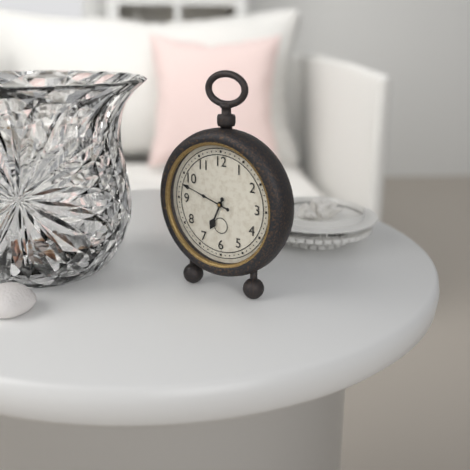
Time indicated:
6h48
